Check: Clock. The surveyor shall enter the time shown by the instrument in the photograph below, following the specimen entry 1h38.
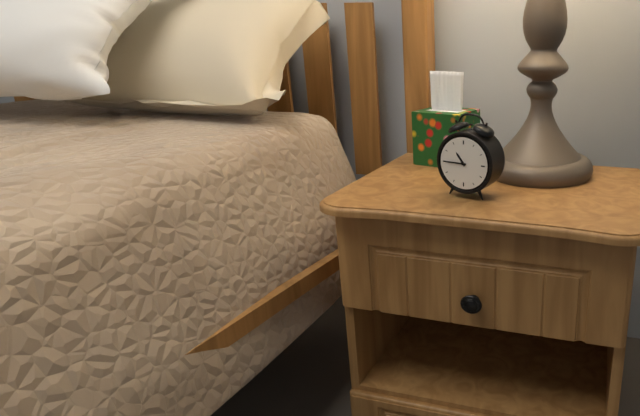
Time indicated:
10h45
